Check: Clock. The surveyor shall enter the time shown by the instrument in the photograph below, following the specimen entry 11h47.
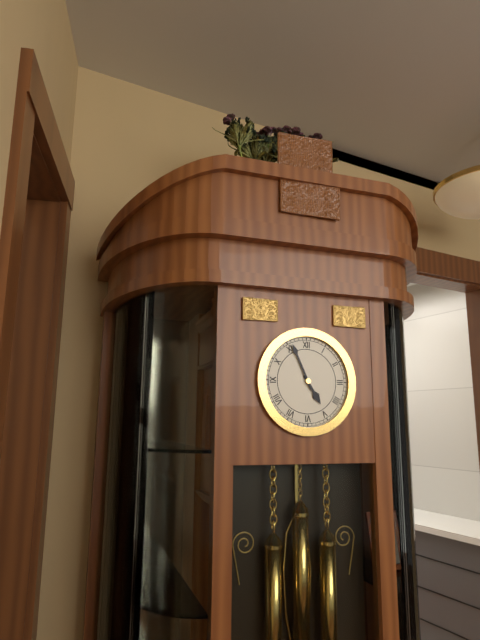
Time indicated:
4h56
